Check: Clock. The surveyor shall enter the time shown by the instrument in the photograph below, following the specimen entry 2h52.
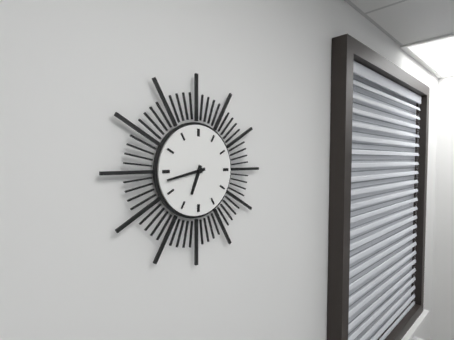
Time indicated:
6h43
